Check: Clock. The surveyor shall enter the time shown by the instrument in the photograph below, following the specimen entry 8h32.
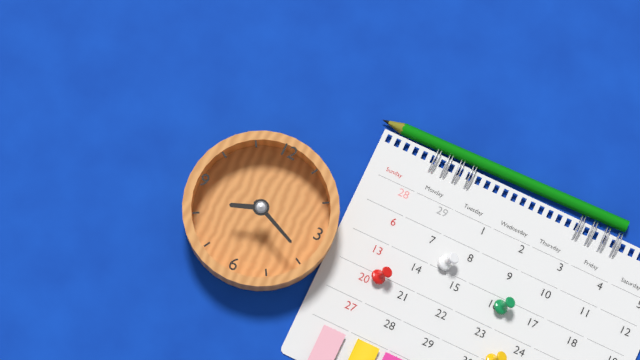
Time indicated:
8h19
